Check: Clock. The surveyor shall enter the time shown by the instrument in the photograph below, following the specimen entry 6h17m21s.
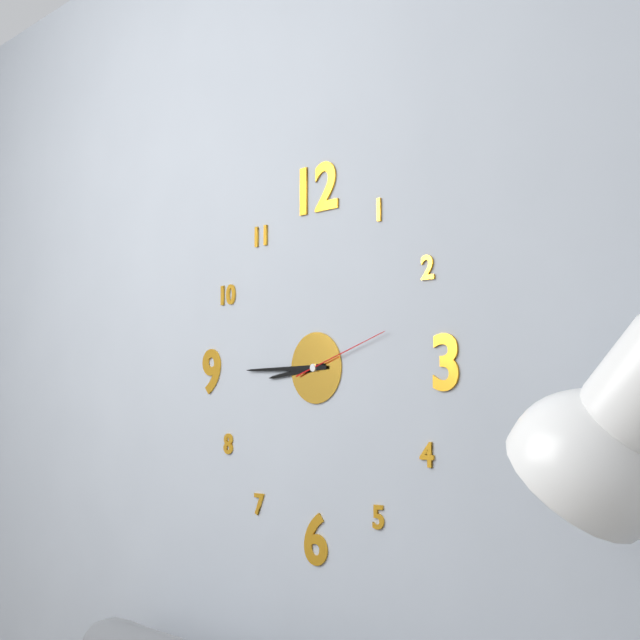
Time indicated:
8h45m12s
